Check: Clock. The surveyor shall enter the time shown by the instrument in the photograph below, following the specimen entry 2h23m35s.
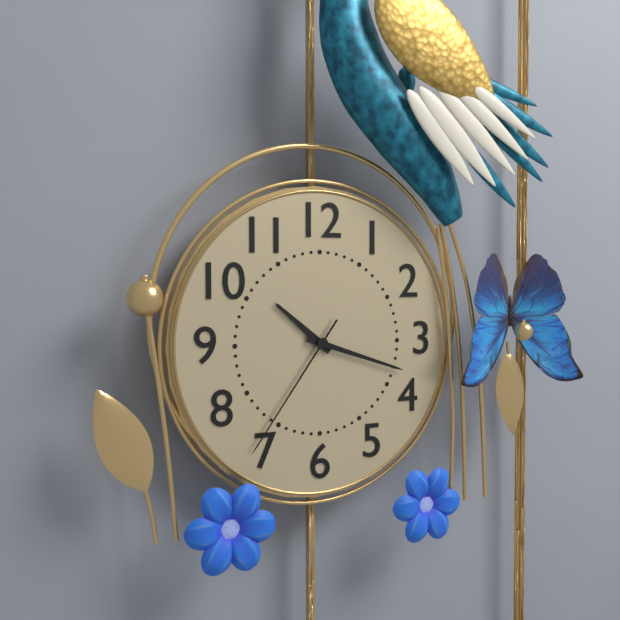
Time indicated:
10h18m36s
